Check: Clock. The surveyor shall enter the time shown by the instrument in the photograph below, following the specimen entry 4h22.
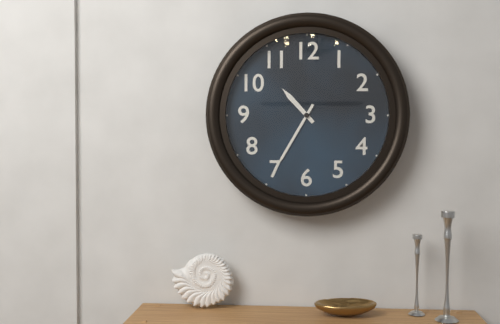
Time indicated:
10h35
